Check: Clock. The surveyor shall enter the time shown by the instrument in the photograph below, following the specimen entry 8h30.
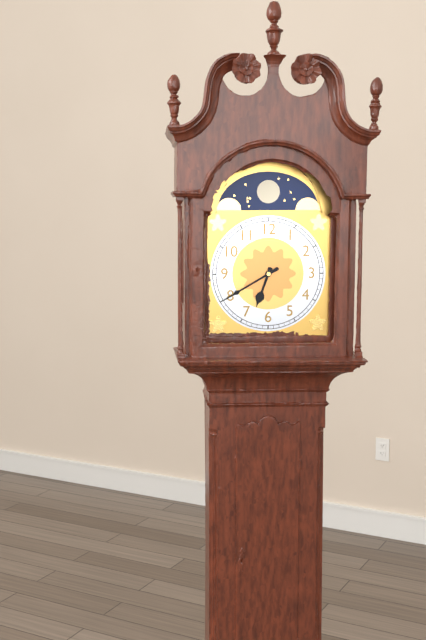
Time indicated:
6h40
